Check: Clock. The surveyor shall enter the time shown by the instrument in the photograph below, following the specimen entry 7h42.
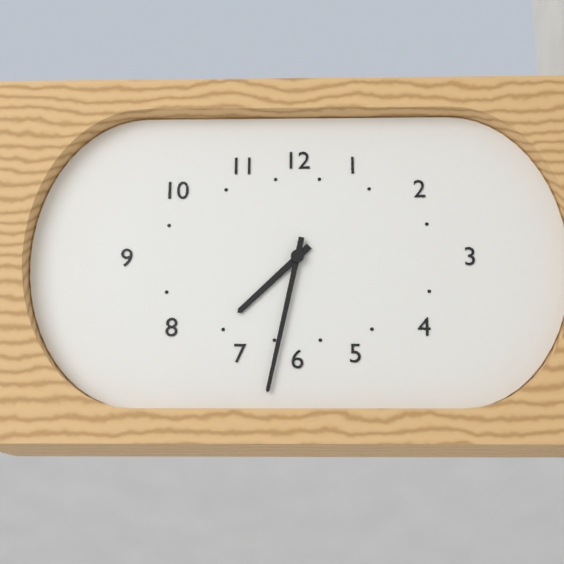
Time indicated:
7h32
